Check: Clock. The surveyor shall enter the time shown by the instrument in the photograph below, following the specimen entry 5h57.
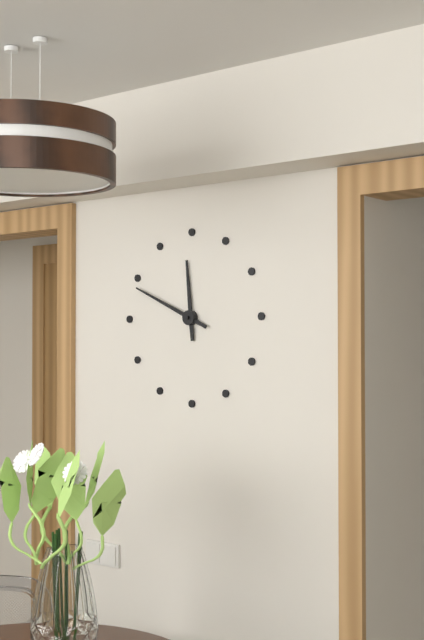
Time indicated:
11h49
